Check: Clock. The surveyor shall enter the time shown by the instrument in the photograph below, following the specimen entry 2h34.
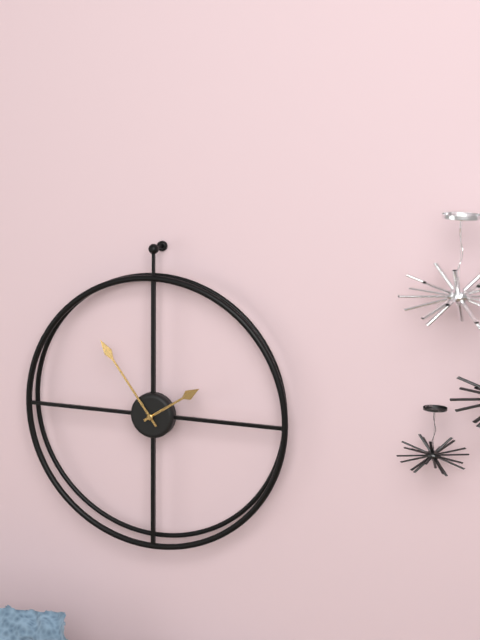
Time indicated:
1h54
